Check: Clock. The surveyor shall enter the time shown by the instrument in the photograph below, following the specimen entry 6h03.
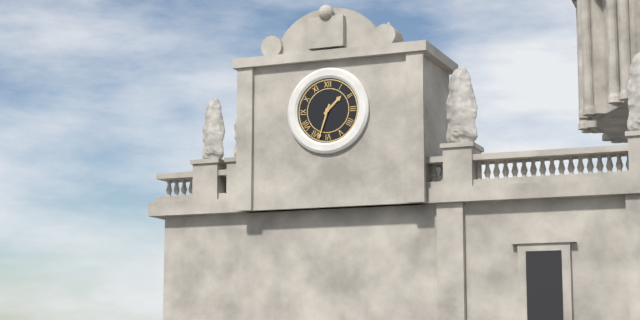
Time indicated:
1h33
